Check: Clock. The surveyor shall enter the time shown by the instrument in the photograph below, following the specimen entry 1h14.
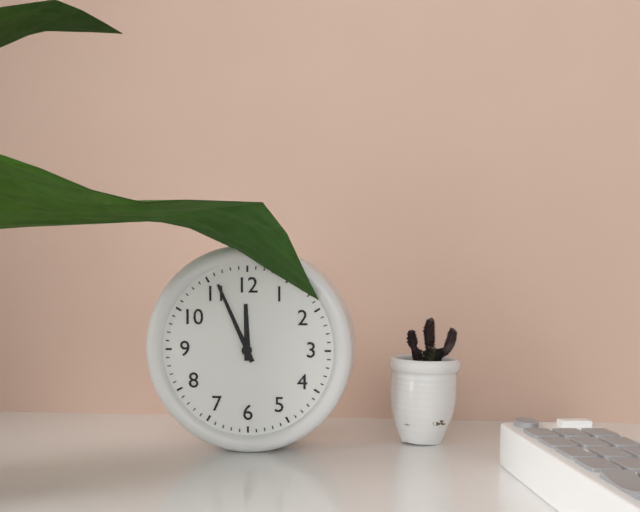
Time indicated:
11h56
